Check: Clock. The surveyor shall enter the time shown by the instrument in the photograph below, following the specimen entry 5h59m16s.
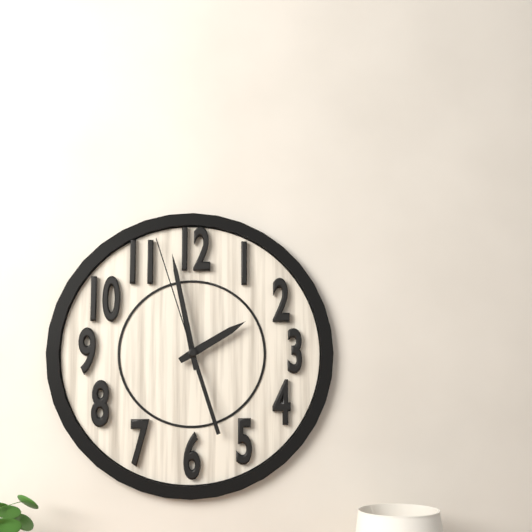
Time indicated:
1h58m57s
